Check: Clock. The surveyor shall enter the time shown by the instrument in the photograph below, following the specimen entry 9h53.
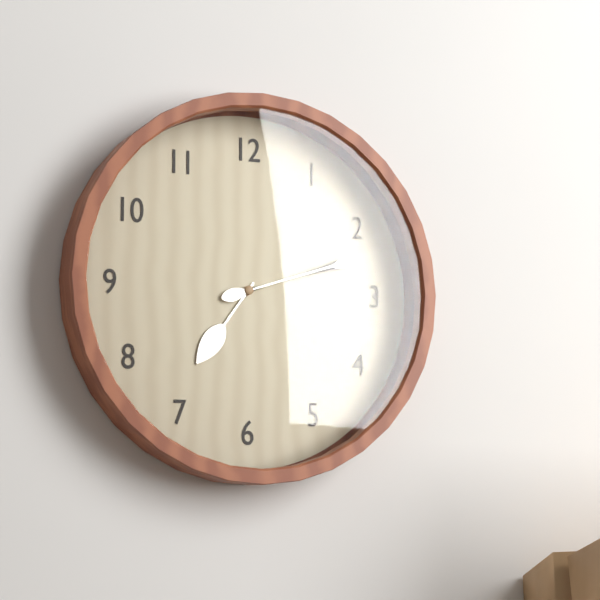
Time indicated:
7h12
